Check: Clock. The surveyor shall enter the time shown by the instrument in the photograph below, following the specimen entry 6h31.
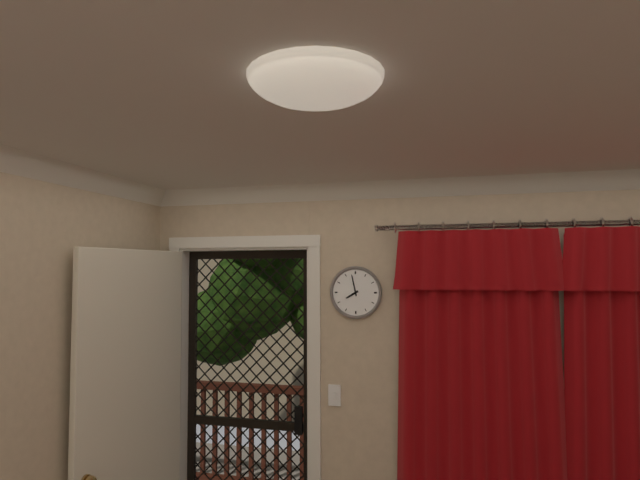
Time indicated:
7h58
